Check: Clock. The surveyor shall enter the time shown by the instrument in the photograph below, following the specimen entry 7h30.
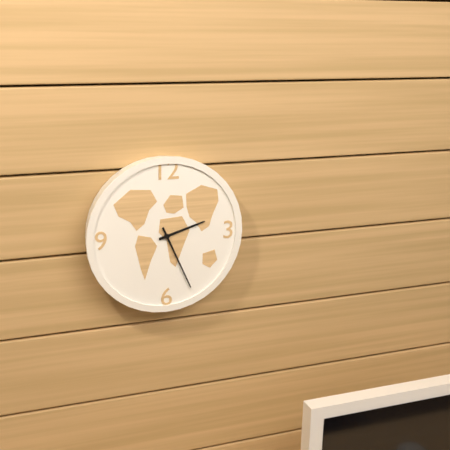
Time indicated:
2h26
